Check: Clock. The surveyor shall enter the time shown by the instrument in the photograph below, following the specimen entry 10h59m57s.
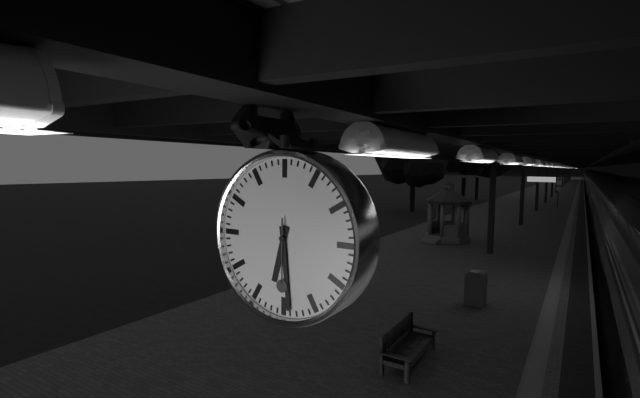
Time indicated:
6h29m30s
